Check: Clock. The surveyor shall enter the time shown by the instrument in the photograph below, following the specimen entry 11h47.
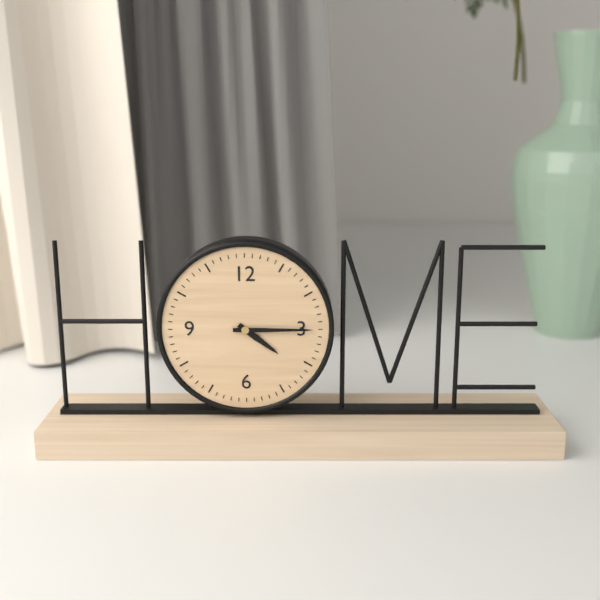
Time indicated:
4h15
